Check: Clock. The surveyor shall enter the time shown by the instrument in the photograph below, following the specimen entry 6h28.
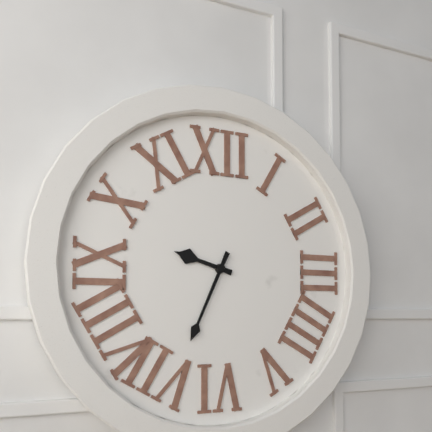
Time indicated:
9h34
